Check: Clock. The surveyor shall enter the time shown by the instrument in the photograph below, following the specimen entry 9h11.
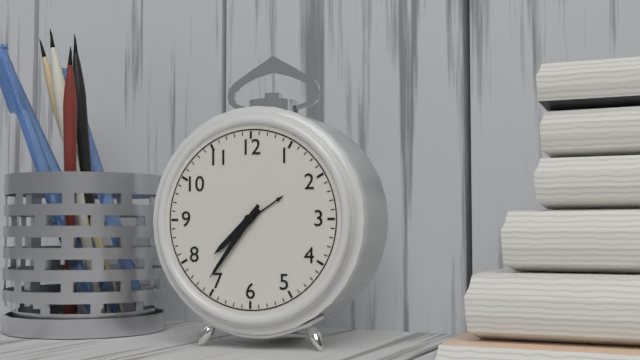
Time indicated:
7h36
